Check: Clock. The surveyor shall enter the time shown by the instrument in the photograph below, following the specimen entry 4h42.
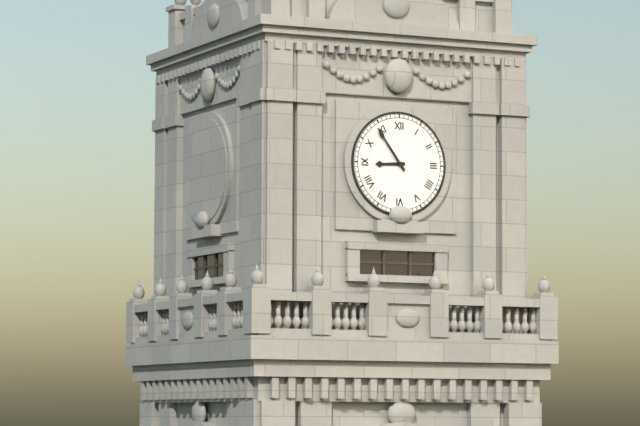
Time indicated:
8h54
